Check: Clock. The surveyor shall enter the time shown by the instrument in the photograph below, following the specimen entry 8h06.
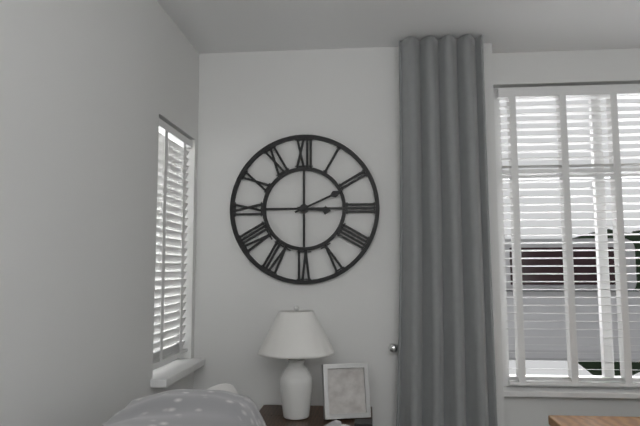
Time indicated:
3h11
